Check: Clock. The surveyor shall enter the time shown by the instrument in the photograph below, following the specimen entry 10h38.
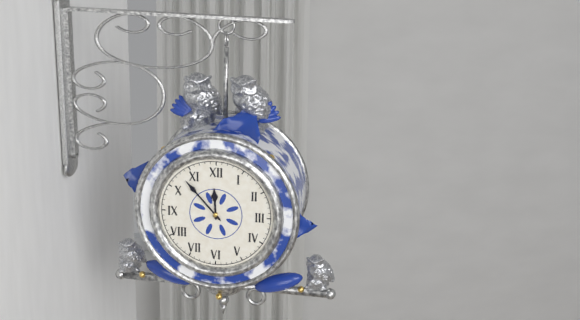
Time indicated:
11h53
